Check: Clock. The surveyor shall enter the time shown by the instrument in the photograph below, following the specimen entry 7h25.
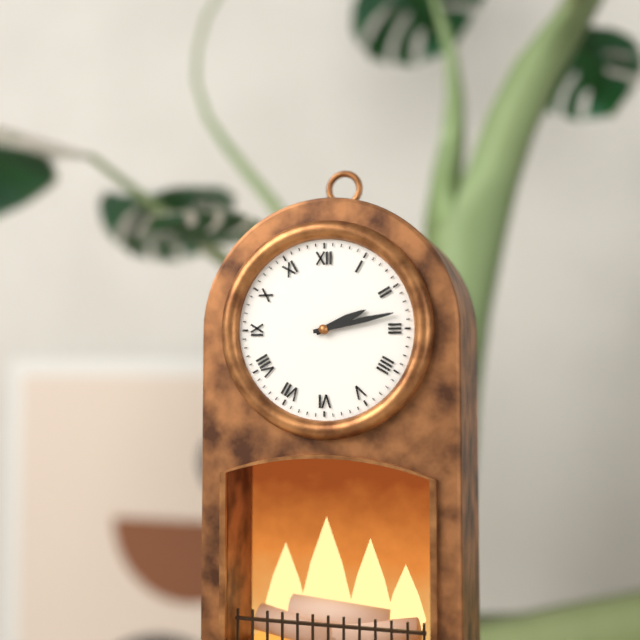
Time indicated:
2h13
